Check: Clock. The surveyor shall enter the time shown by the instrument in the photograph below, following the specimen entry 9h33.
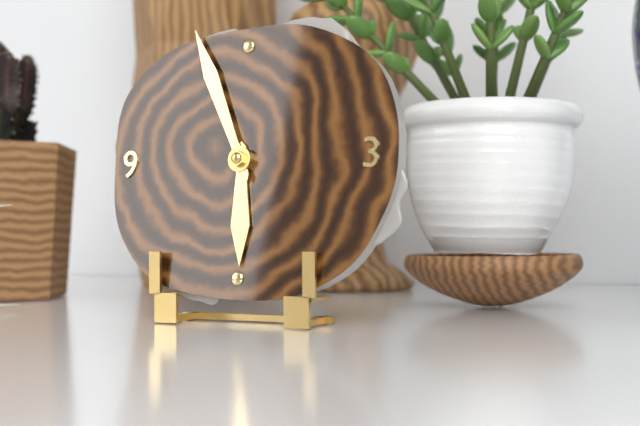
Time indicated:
5h56
